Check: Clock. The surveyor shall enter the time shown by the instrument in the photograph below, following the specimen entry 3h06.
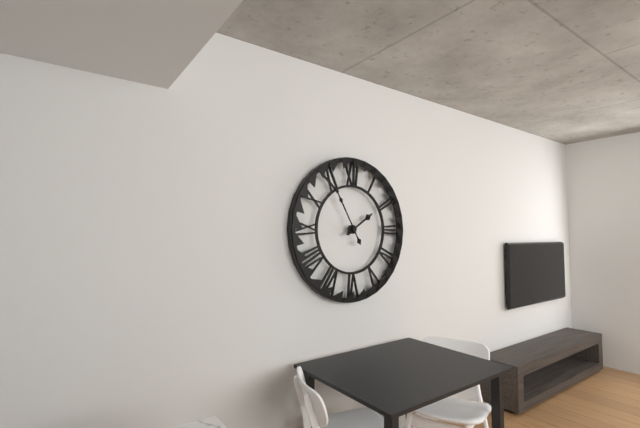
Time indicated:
1h55
